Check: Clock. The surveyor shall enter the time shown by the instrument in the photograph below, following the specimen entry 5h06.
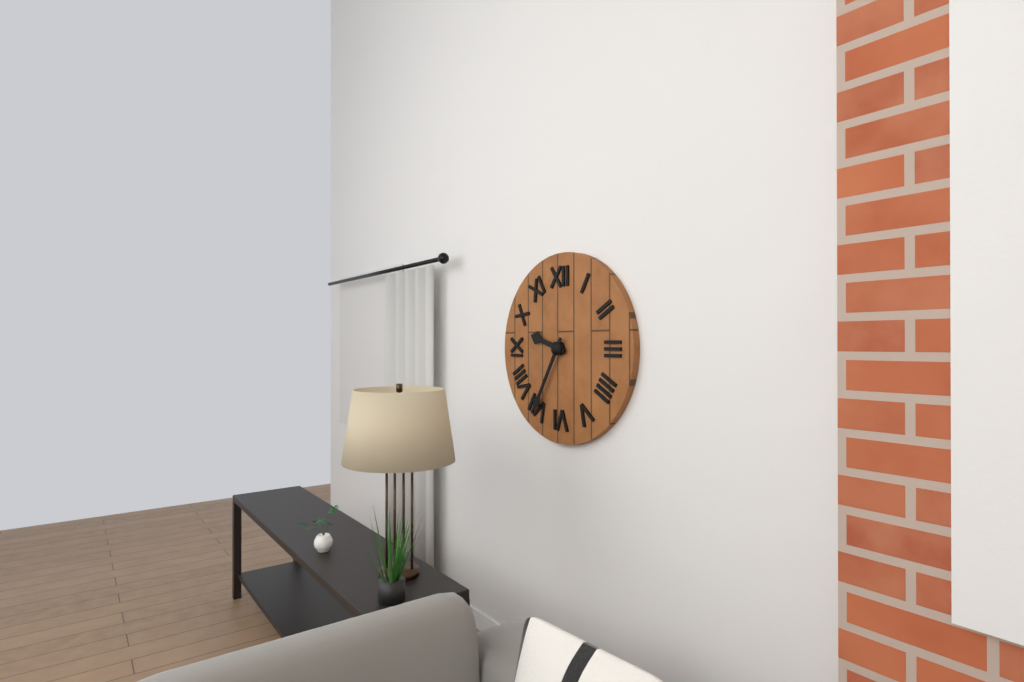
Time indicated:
9h35
